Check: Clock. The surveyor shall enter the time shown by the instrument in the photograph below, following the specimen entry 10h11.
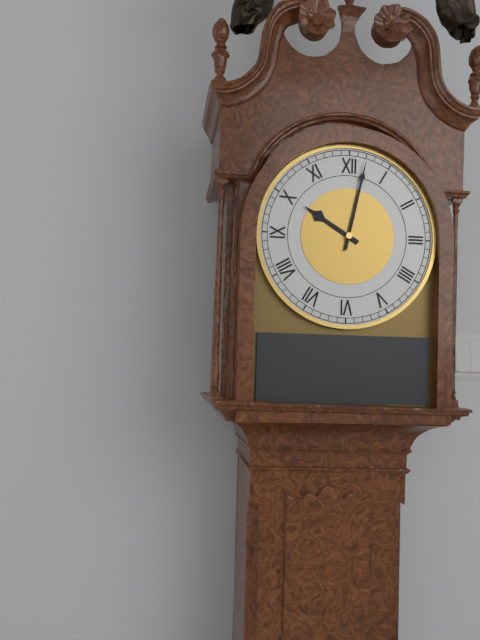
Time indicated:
10h02
